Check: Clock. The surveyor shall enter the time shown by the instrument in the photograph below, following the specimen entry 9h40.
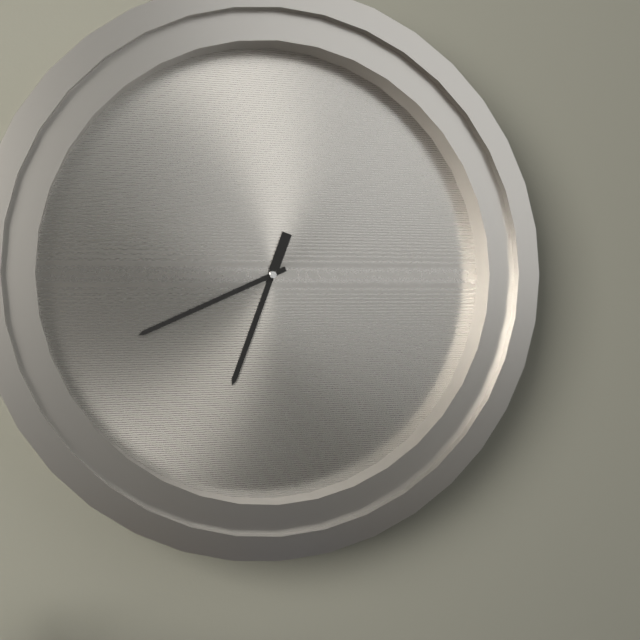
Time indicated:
6h41
